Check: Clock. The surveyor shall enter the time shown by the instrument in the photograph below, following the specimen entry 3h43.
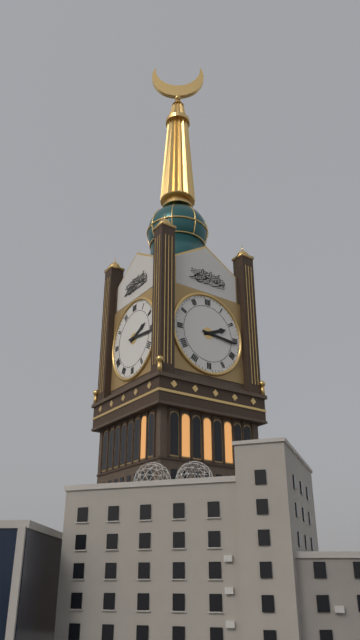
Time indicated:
2h16
